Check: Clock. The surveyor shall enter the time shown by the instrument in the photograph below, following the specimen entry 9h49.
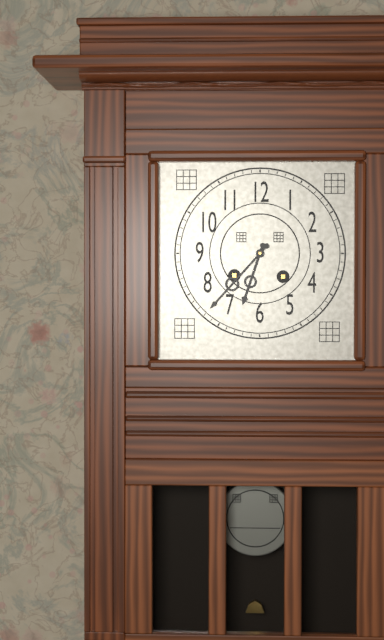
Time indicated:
6h37
